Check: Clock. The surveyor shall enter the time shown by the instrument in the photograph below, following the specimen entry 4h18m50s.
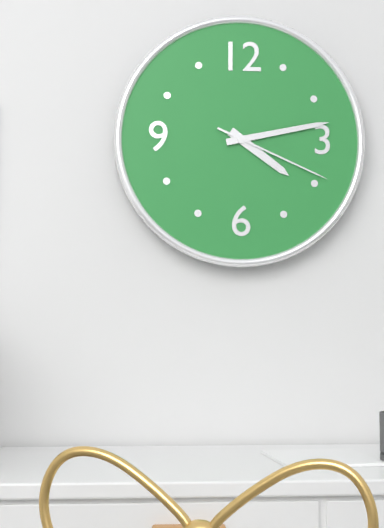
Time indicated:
4h13m19s
